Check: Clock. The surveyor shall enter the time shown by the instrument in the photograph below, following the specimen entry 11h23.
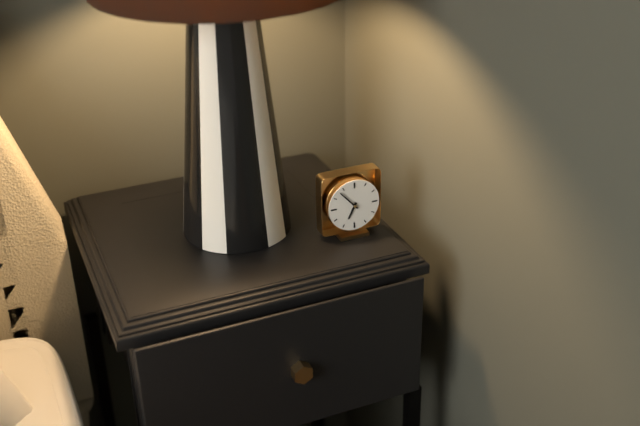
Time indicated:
6h53
